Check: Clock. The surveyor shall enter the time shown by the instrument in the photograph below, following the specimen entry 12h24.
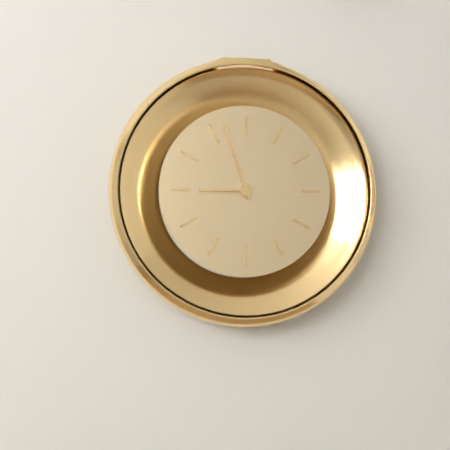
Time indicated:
8h57
